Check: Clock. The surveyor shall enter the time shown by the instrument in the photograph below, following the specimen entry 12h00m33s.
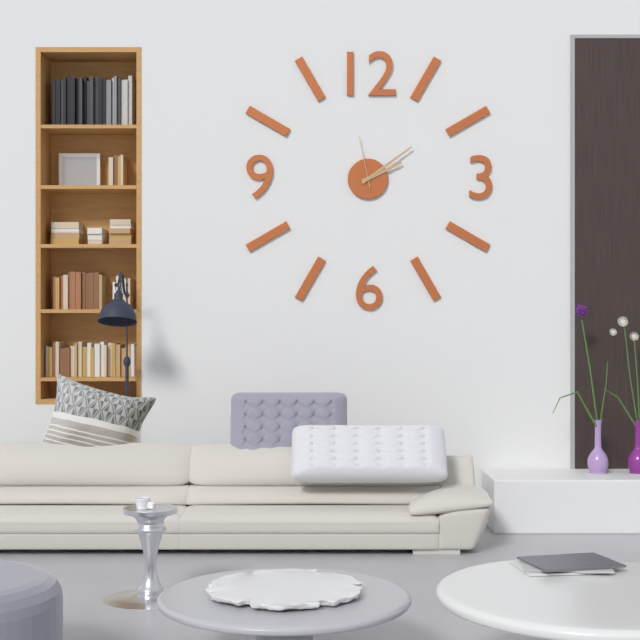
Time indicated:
2h09m58s
